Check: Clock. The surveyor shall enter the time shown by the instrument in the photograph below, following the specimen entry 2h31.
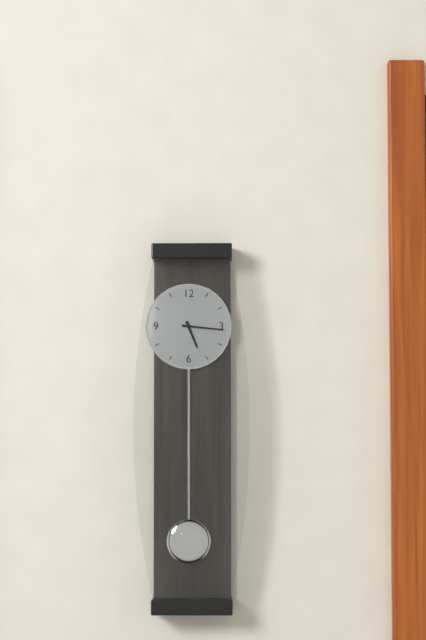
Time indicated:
5h16
